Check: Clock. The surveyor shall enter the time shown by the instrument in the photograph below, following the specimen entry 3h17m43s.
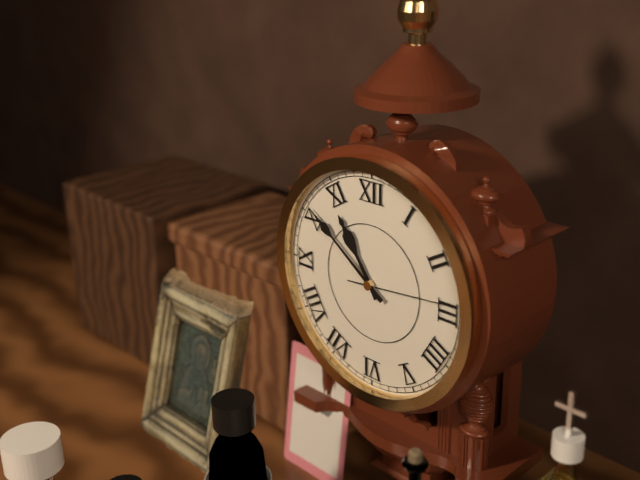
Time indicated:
10h51m14s
